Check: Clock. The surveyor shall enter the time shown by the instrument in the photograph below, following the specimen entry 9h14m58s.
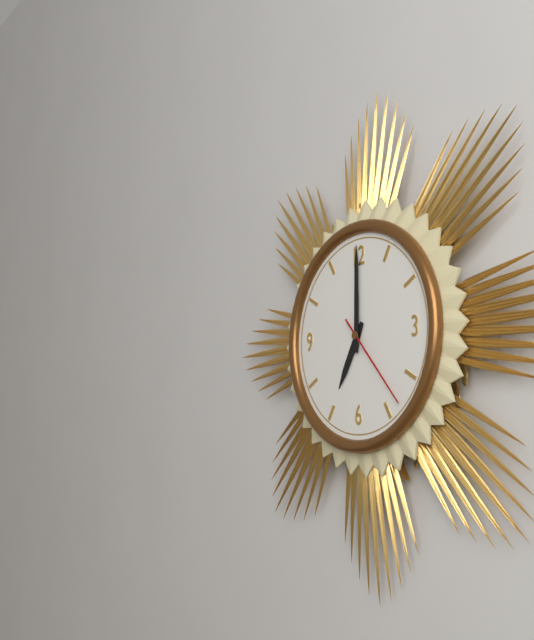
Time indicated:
7h00m23s
